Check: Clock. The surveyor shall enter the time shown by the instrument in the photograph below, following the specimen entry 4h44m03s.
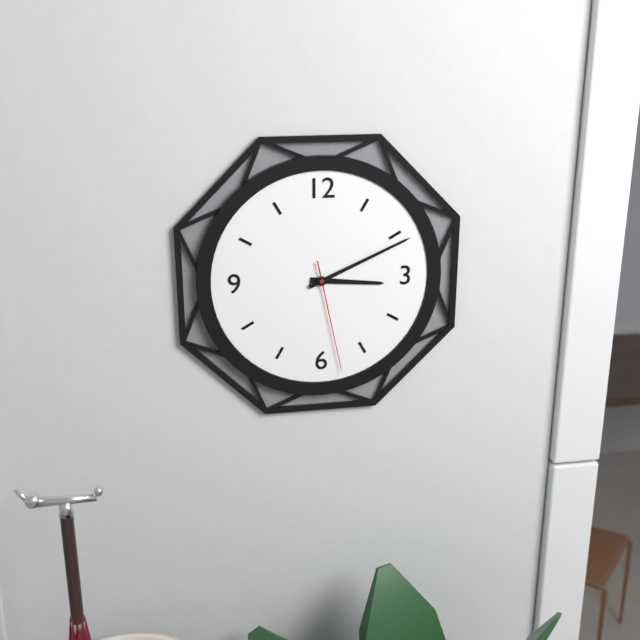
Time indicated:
3h11m28s
